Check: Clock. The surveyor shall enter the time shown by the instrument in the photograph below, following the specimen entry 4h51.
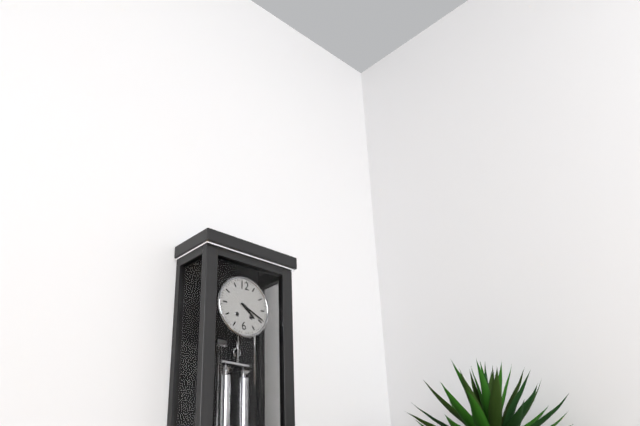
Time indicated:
4h19
